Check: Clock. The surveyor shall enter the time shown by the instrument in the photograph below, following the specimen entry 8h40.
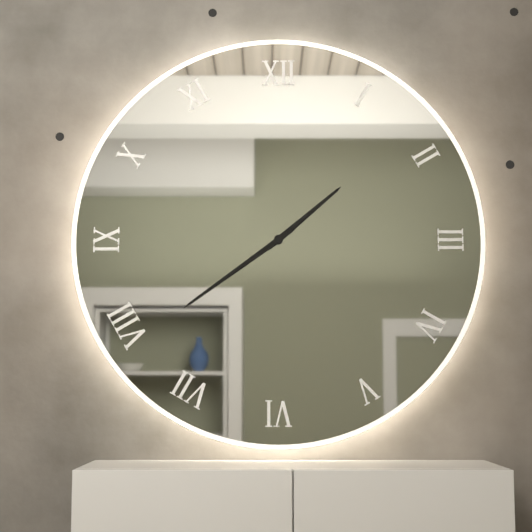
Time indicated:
1h39
